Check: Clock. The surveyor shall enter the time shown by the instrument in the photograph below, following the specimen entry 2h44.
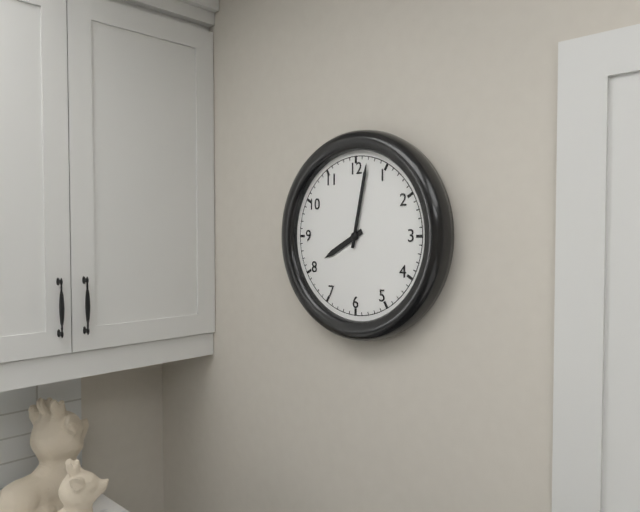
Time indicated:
8h02
